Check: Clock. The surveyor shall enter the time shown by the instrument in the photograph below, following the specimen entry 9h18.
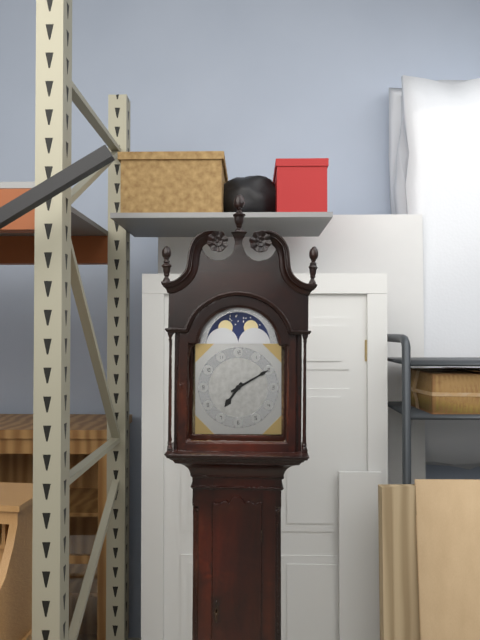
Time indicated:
7h10
